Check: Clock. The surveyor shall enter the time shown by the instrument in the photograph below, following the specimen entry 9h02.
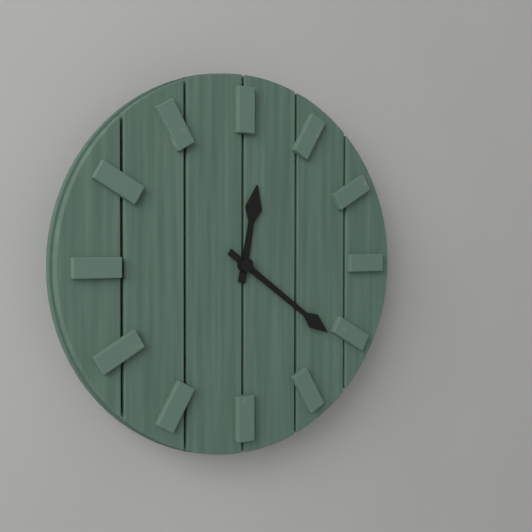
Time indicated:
12h21
